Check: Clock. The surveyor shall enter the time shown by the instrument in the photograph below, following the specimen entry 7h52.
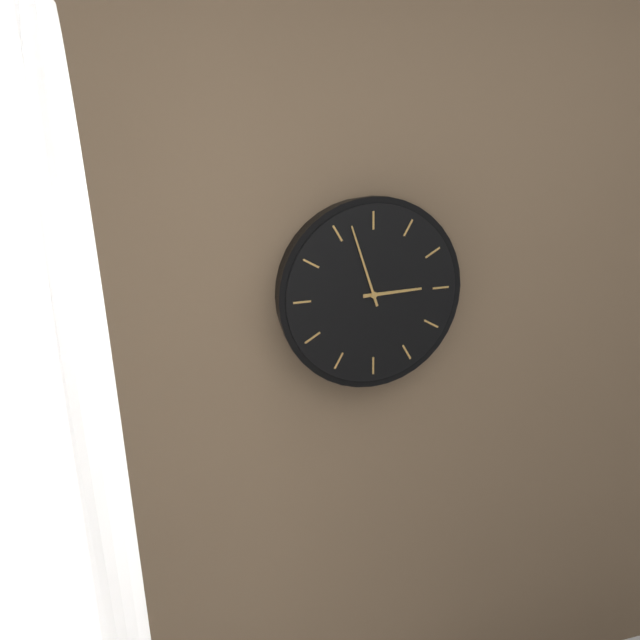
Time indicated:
2h57
